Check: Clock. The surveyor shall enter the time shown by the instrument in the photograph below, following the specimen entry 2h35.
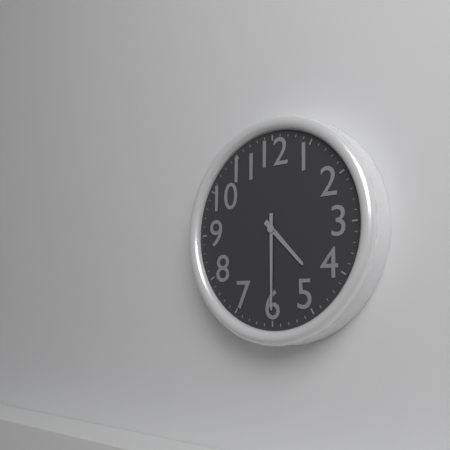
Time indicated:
4h30
